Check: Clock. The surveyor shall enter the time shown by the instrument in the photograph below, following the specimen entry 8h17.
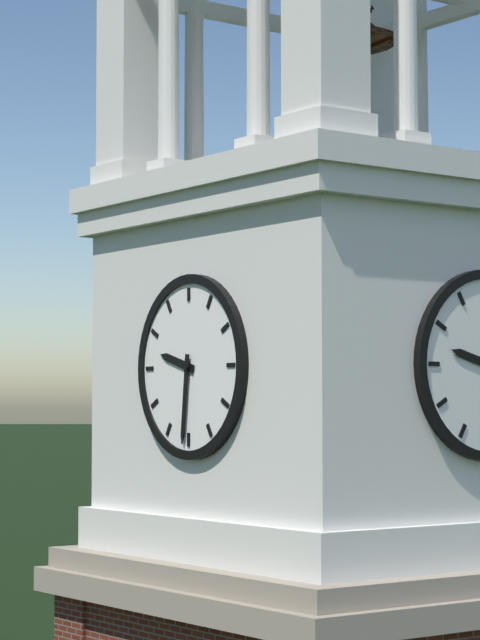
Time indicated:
9h31
